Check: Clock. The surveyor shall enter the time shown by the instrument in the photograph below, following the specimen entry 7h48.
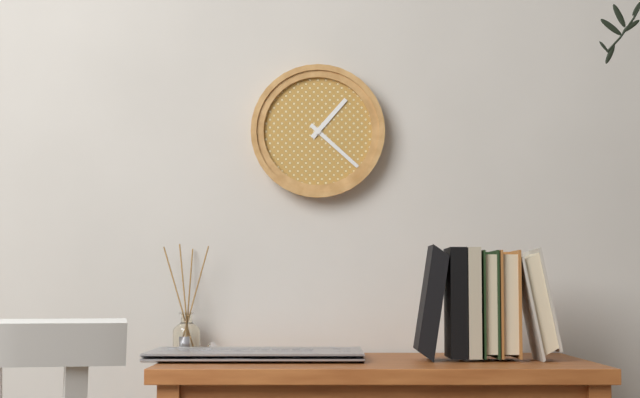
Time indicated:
1h22
